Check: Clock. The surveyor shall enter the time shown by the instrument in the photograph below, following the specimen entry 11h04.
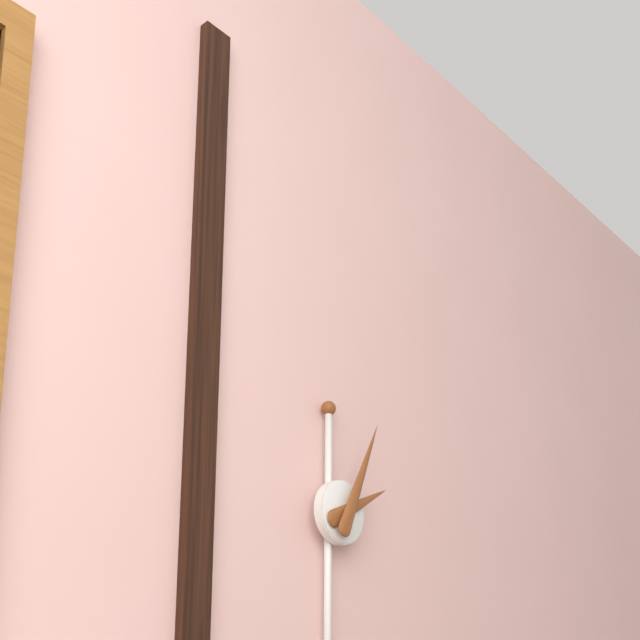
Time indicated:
2h04
